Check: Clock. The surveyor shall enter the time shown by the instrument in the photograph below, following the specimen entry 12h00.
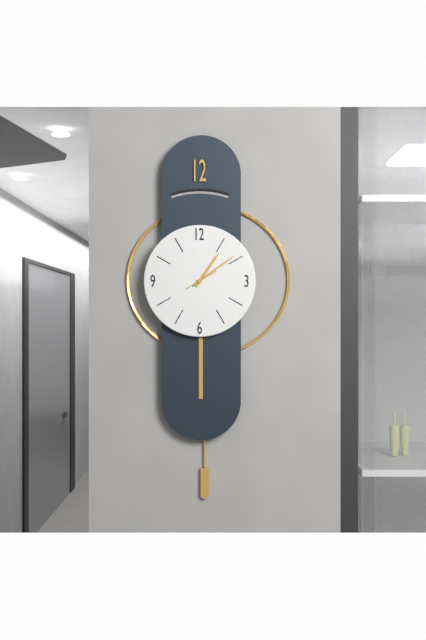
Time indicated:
1h09
